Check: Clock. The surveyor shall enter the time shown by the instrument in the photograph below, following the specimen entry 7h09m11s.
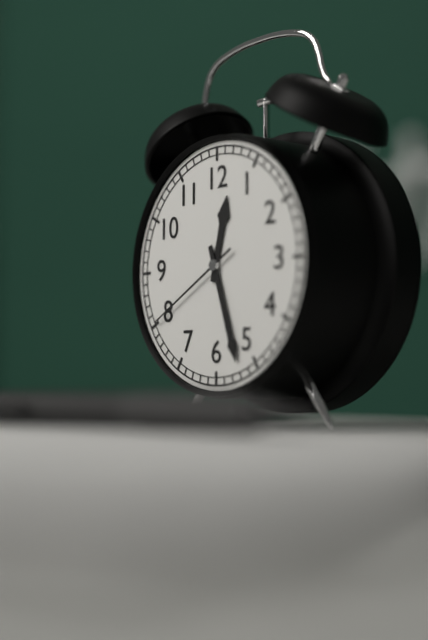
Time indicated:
12h27m40s
